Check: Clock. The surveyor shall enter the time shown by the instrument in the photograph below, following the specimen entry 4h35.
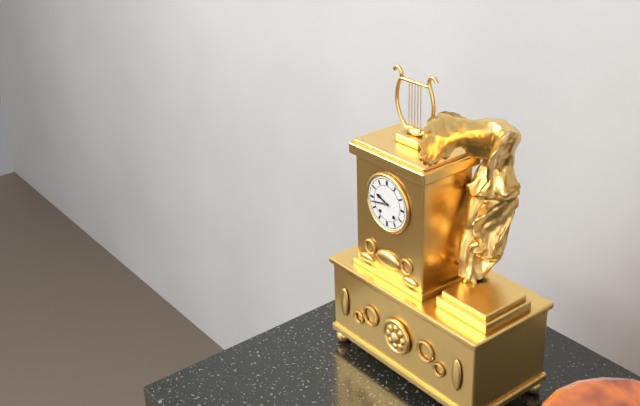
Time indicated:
9h43
